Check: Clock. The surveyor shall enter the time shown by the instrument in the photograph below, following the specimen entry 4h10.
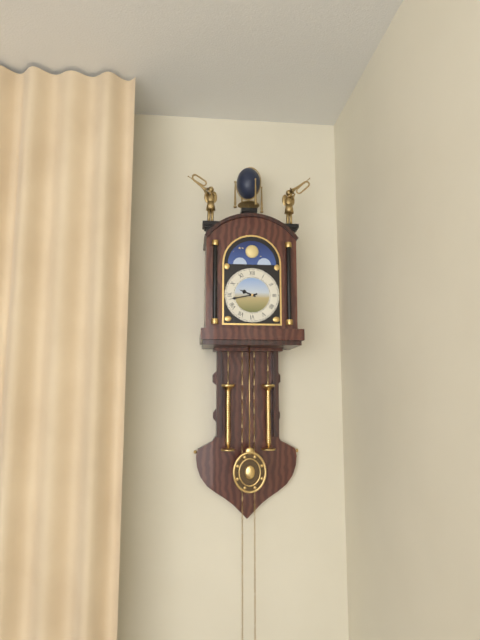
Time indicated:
9h43
